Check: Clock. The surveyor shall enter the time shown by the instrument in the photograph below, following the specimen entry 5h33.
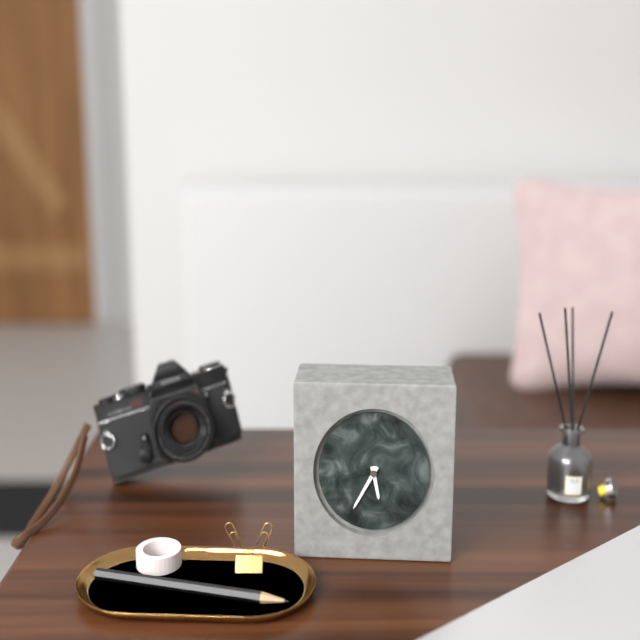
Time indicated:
5h35
